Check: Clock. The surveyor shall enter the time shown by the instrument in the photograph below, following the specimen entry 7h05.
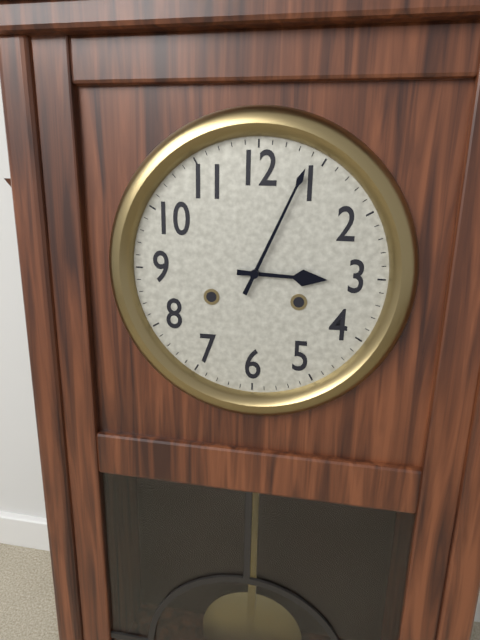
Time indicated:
3h04
